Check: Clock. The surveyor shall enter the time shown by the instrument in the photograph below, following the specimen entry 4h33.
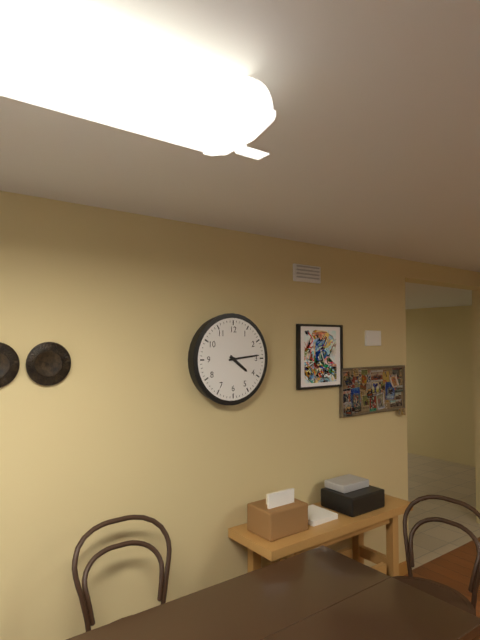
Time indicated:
4h14
